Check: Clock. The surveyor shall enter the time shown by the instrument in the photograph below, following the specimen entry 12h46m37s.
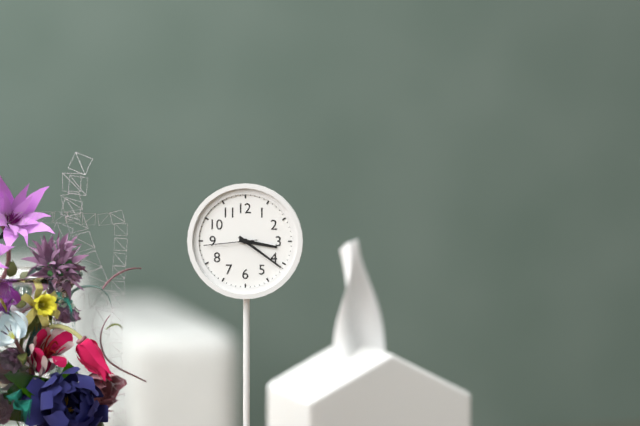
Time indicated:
3h21m44s
